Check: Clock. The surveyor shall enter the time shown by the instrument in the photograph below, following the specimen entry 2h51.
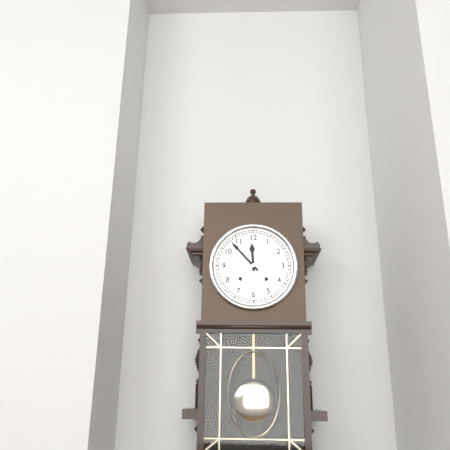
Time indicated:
11h53
